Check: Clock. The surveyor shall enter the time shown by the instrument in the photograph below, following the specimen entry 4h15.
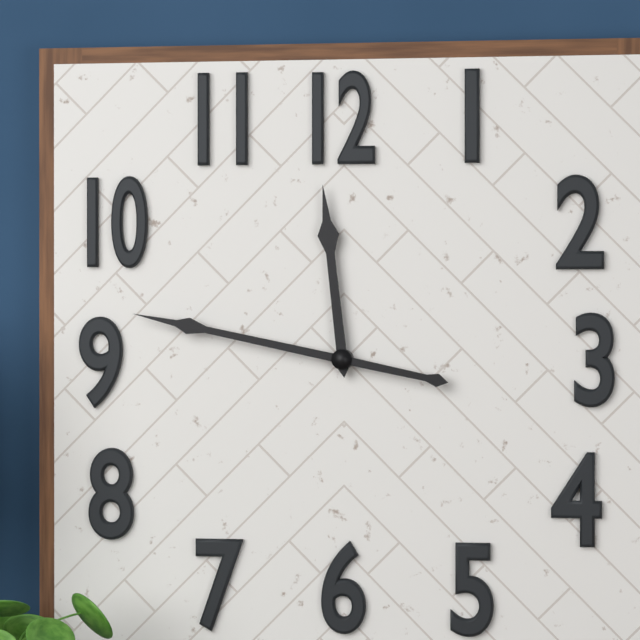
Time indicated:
11h47
